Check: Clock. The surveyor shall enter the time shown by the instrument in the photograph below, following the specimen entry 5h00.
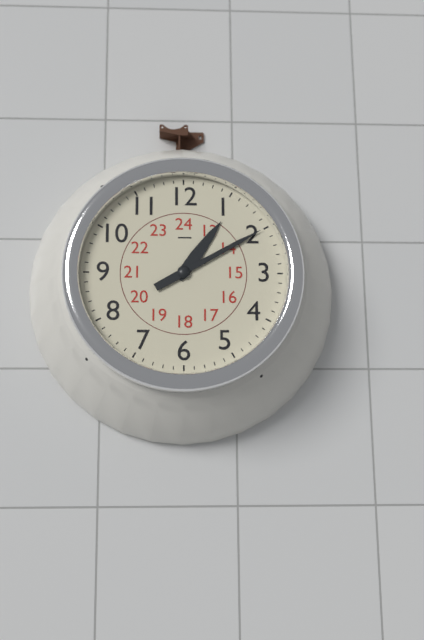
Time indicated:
1h10
